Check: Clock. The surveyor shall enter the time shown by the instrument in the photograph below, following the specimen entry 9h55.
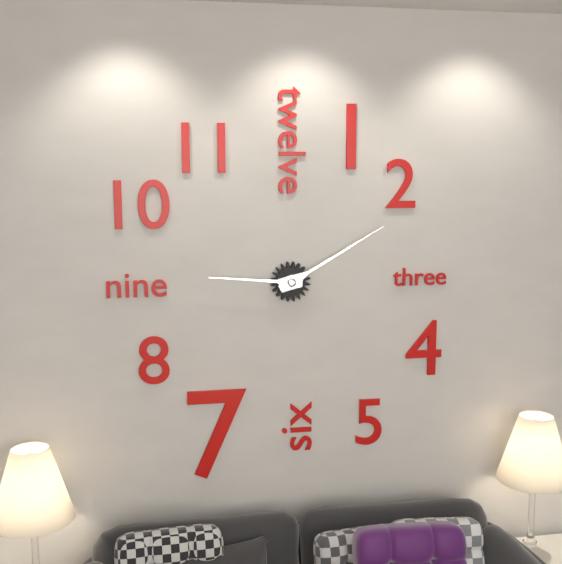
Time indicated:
9h10
